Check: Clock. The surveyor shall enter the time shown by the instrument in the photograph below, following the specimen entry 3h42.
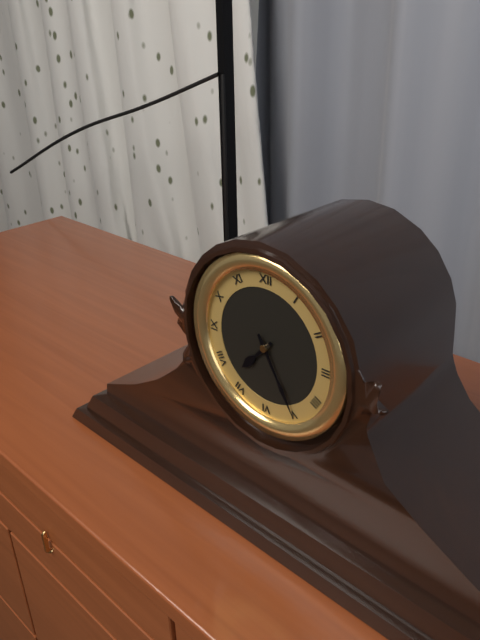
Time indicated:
7h25
